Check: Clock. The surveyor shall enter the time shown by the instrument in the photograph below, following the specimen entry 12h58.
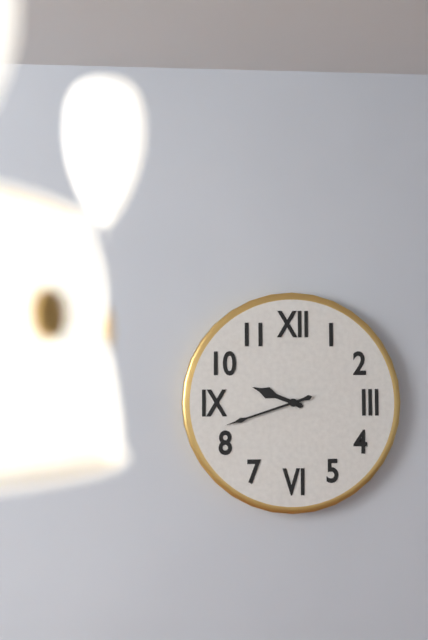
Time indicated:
9h42
